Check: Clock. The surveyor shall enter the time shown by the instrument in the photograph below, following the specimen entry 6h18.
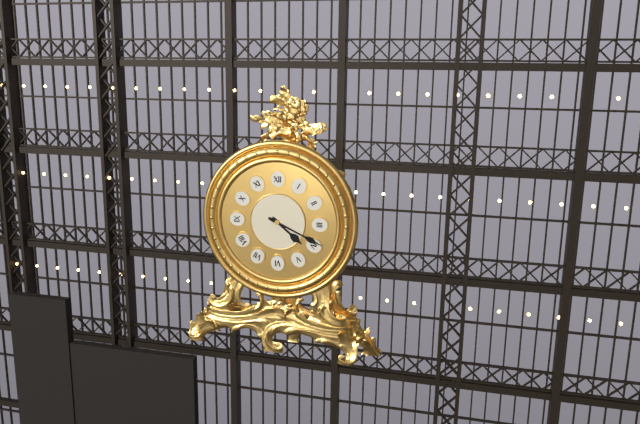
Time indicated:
4h19
